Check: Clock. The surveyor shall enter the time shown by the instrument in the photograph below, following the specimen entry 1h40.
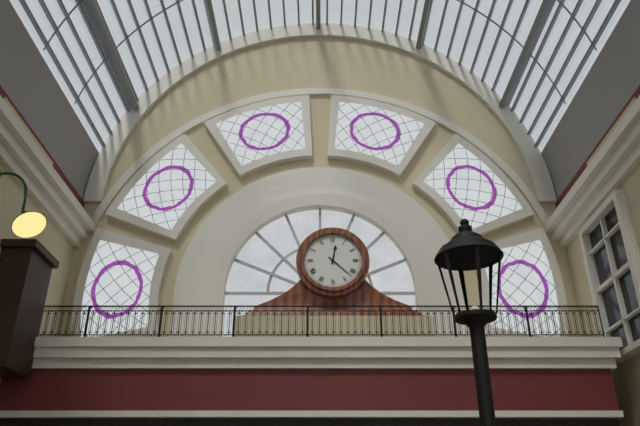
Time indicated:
12h22
